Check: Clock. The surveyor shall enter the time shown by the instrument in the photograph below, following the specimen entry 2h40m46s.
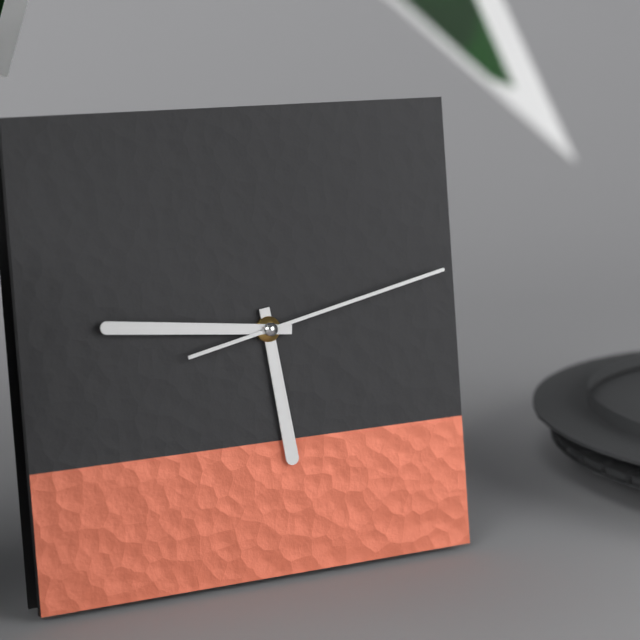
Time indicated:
5h46m13s
